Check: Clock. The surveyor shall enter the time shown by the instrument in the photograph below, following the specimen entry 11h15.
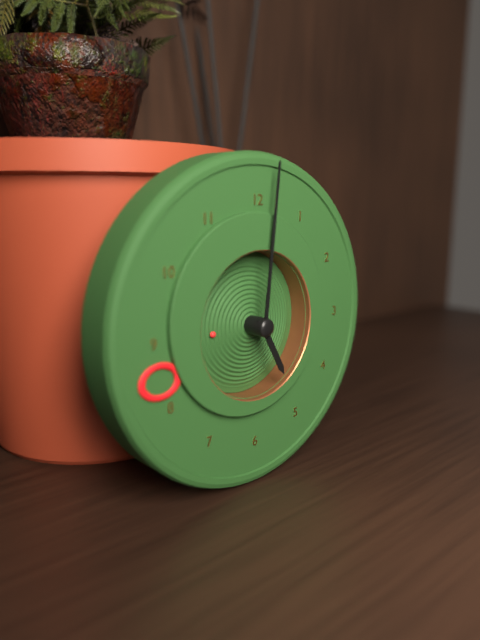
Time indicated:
5h01
